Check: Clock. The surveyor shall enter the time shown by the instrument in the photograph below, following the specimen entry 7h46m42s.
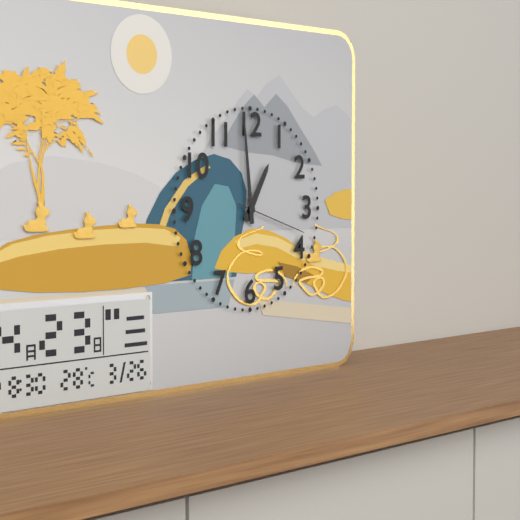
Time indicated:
12h59m18s
